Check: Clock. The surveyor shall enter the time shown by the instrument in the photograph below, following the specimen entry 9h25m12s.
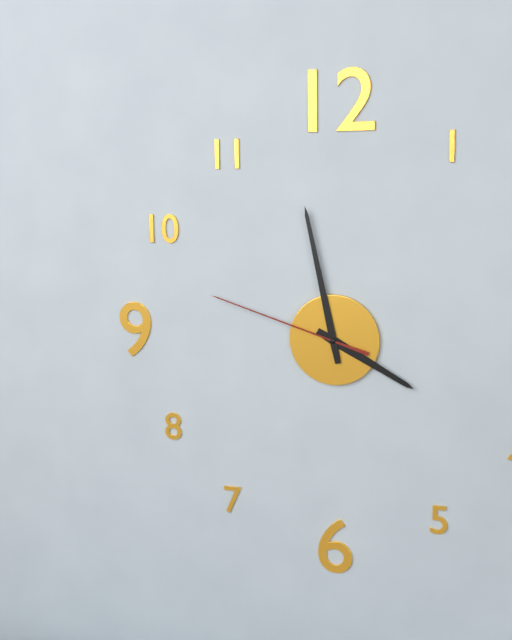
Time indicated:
3h58m48s
